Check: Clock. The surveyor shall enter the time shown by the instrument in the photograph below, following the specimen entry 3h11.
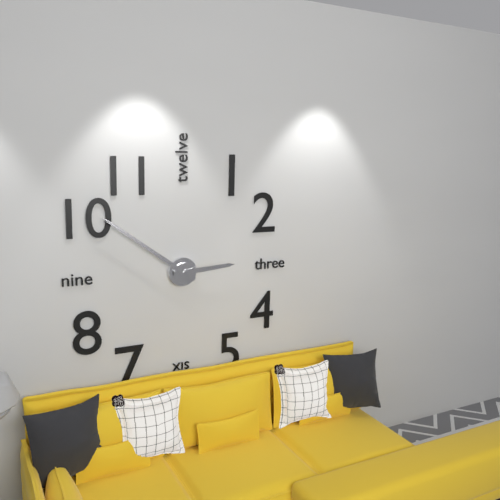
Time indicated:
2h51
